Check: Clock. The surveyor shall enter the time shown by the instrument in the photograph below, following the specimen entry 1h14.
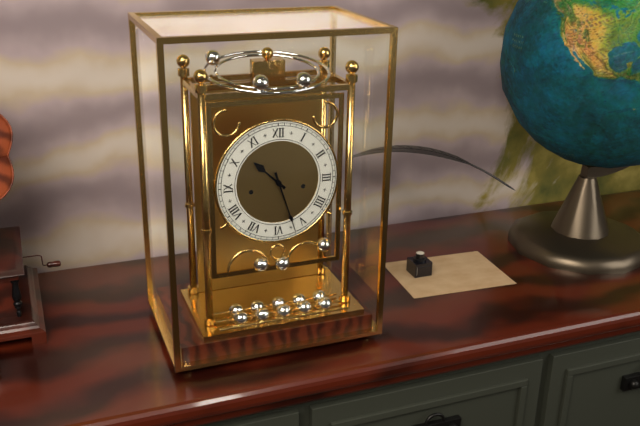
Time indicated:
10h27
